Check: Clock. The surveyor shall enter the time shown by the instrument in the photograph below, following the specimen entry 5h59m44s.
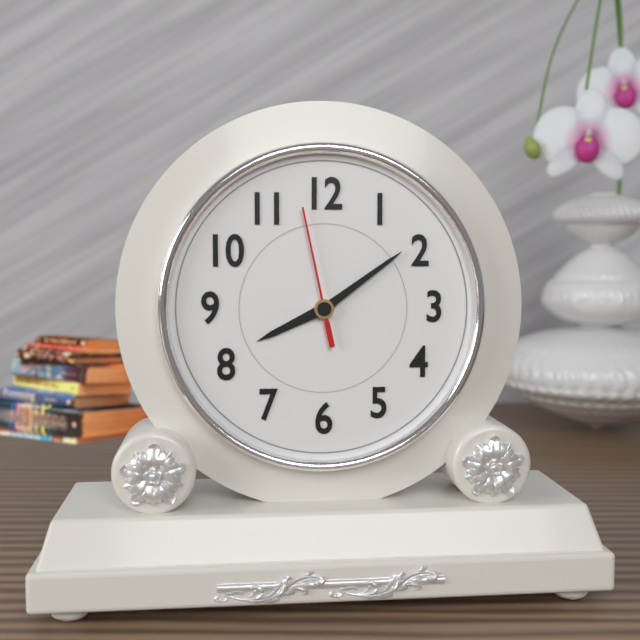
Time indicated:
8h09m58s
